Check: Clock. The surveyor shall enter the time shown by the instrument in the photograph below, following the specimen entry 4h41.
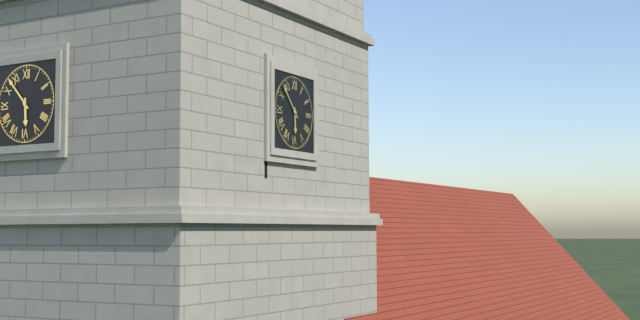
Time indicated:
5h53
